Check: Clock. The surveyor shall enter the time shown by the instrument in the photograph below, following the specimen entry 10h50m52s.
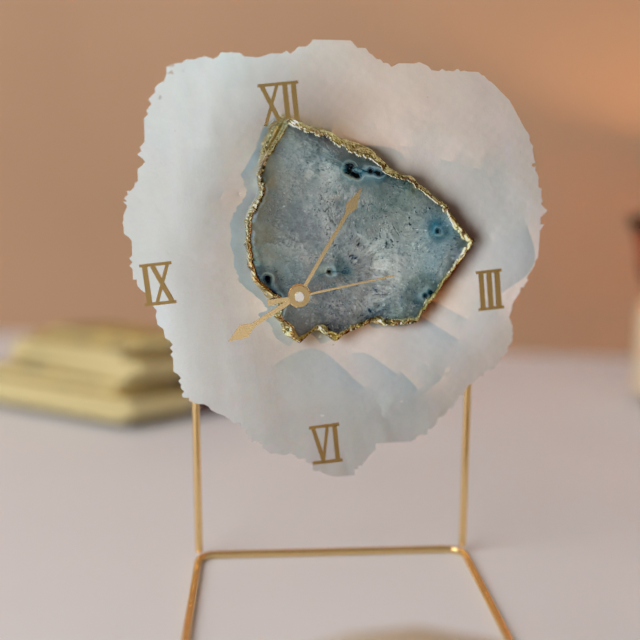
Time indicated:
8h06m14s
